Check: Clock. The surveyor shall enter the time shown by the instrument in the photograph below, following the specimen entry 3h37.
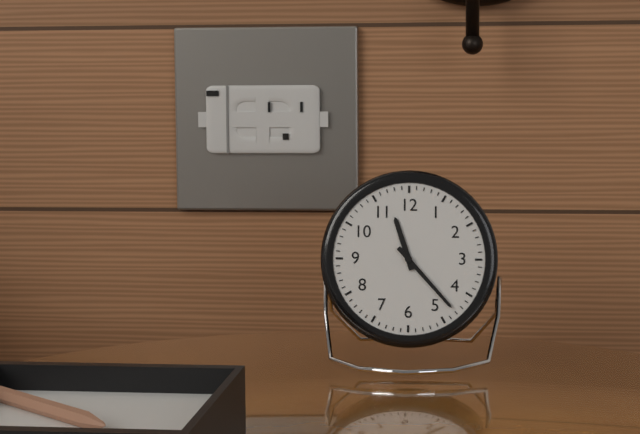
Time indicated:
11h23
